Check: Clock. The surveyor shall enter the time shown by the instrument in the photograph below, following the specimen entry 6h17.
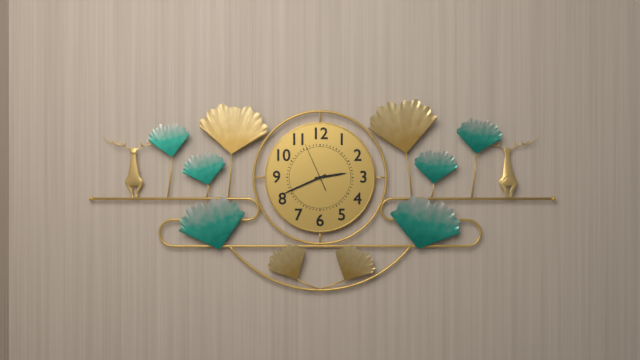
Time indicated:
2h41
